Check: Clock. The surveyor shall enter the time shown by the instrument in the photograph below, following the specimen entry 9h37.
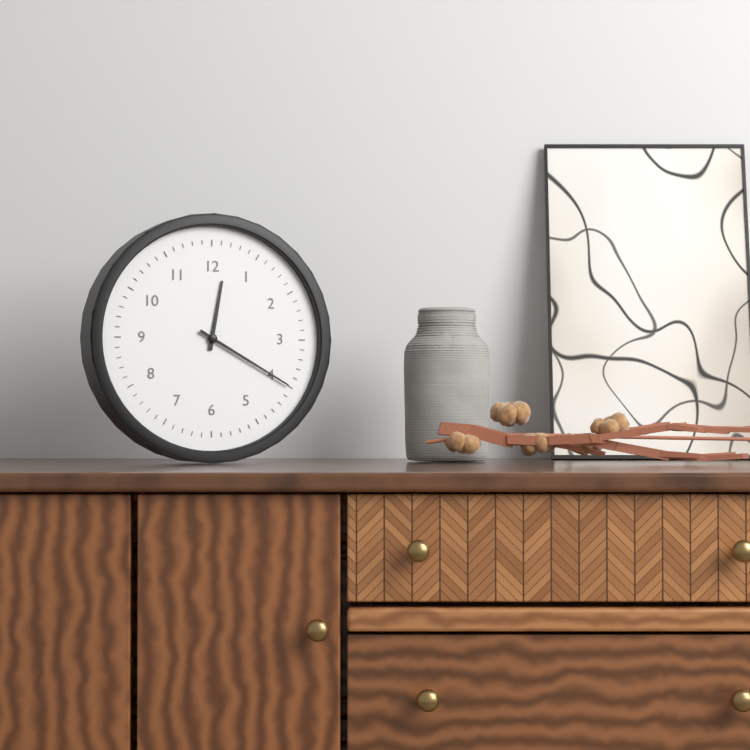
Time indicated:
12h20
